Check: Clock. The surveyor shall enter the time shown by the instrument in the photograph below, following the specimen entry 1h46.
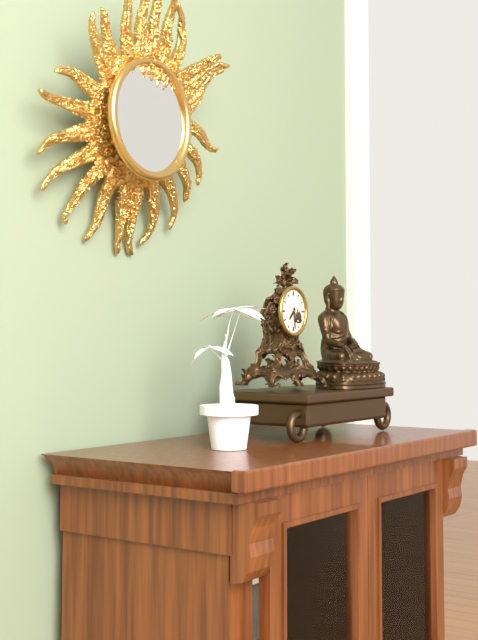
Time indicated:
7h29
